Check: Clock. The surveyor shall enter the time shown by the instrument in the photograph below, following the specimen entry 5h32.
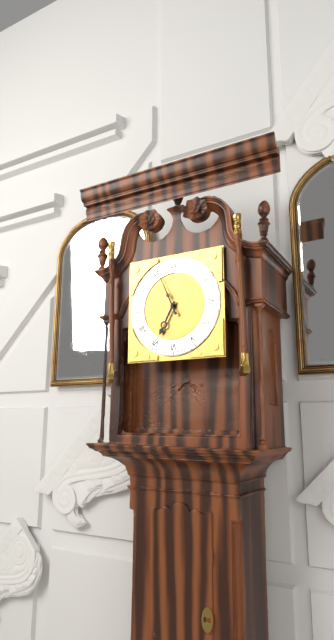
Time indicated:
6h56
